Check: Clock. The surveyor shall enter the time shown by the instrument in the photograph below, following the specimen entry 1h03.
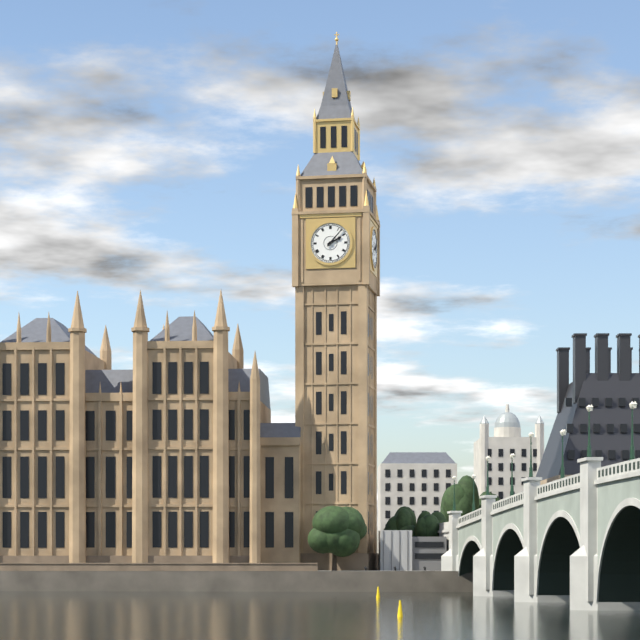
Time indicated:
2h07
